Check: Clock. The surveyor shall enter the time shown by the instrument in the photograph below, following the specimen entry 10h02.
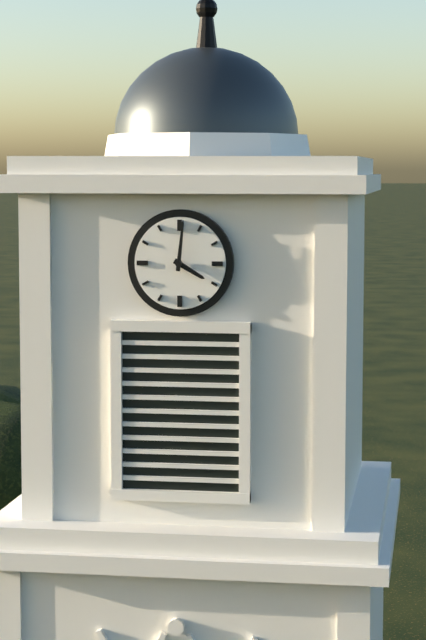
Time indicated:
4h01
